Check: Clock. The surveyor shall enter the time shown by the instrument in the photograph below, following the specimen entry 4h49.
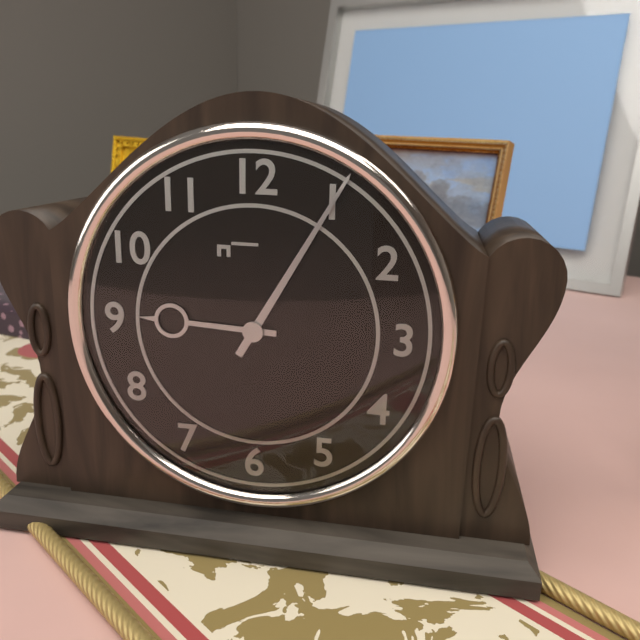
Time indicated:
9h05
